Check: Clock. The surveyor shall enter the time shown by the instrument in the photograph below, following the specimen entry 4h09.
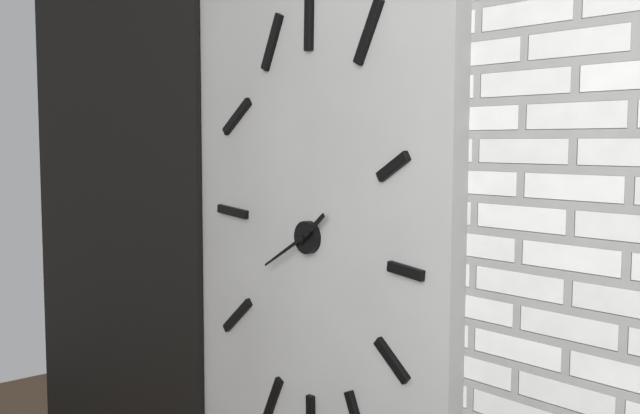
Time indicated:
1h40
